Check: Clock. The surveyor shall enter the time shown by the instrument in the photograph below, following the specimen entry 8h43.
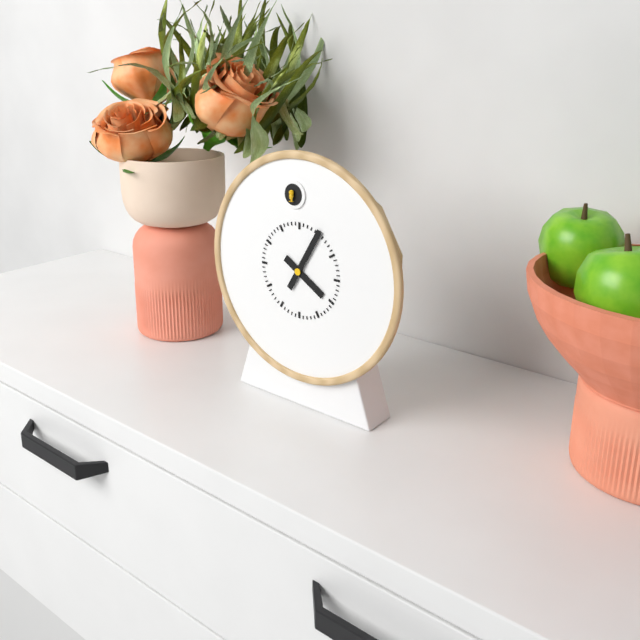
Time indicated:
4h05
